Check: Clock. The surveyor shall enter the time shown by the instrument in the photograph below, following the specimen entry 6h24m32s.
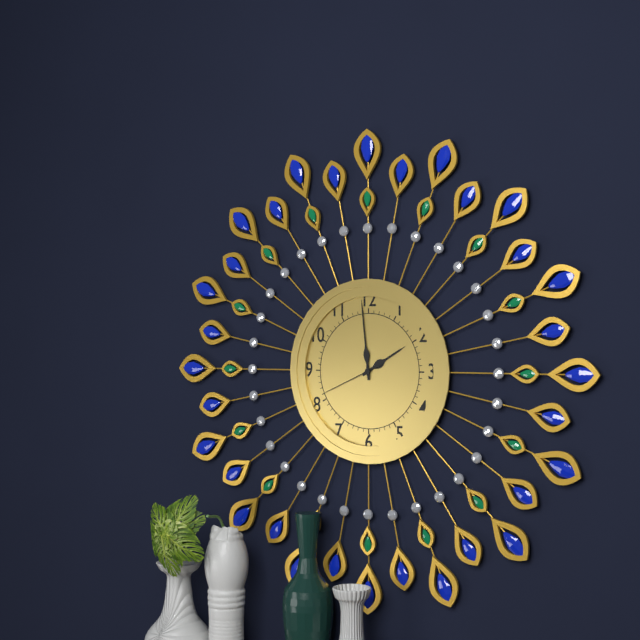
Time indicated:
1h59m41s
